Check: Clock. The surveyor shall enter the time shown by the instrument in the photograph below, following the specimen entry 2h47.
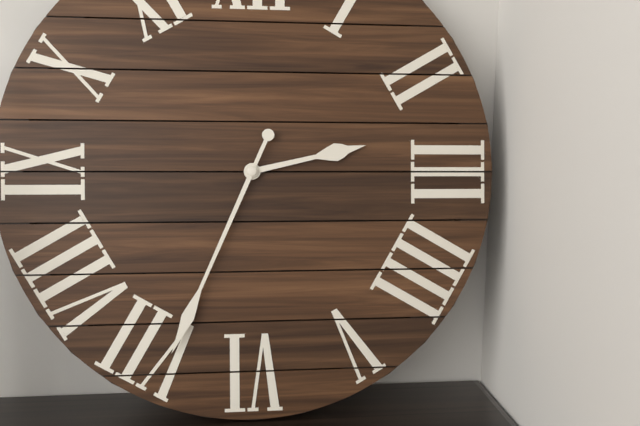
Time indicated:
2h34
